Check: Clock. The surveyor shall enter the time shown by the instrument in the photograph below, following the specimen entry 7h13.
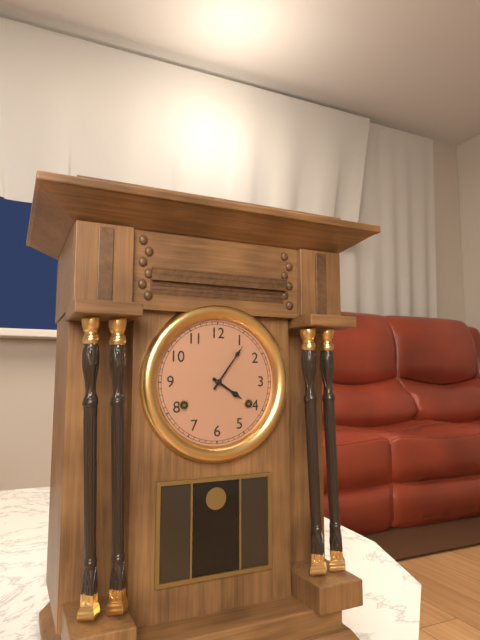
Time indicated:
4h06
